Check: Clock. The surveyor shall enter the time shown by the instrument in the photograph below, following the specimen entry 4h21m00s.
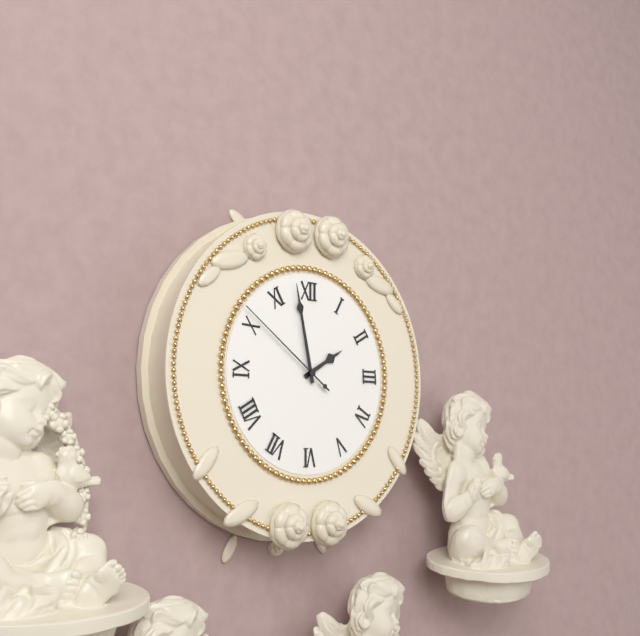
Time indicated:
1h58m51s
